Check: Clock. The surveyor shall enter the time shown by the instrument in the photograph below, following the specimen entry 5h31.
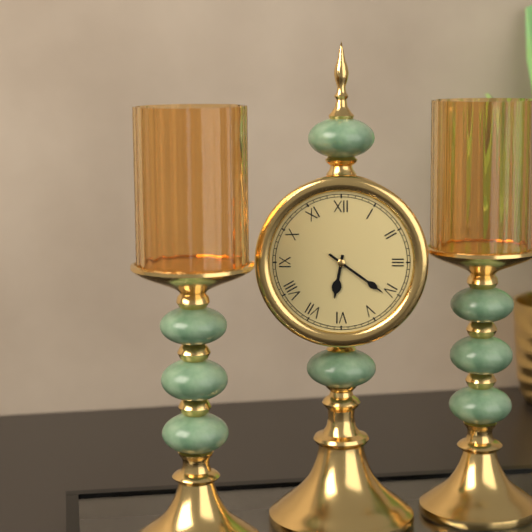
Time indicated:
6h21
